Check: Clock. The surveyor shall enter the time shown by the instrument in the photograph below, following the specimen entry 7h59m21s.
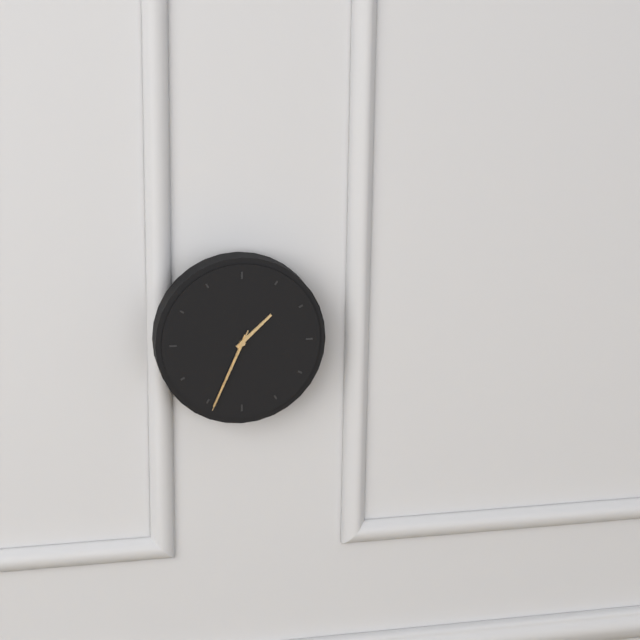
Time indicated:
1h34m34s
